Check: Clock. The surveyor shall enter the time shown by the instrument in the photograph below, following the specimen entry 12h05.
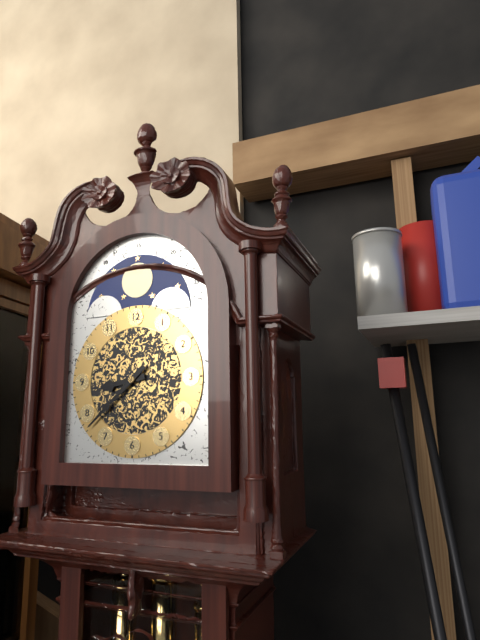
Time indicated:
8h38
